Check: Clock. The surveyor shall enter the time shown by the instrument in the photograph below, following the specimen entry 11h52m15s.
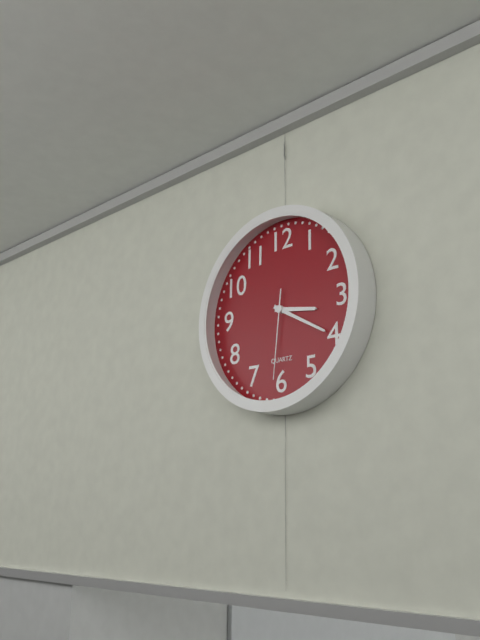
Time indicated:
3h20m31s
